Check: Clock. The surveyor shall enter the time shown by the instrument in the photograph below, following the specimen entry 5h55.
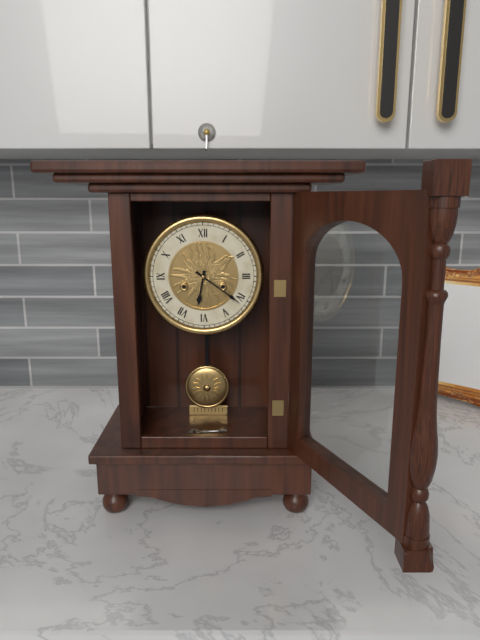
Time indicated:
6h21
